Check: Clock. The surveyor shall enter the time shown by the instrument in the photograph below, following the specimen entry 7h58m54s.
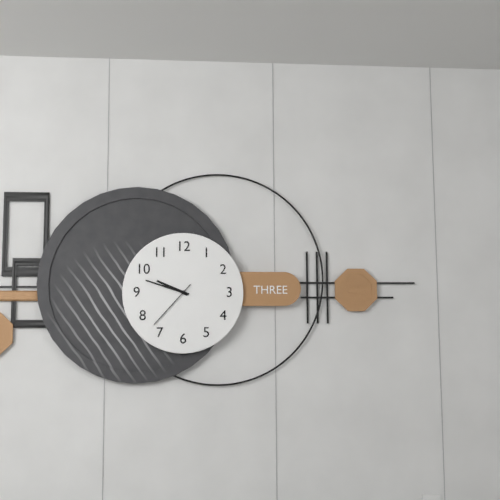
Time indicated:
9h48m37s
